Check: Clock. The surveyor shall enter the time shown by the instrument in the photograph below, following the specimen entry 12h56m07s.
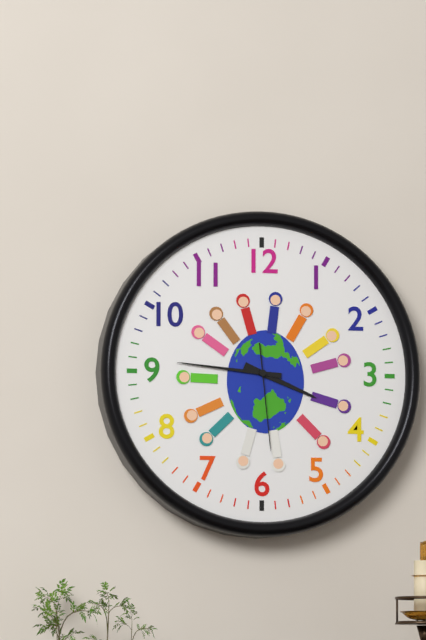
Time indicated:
3h46m29s
